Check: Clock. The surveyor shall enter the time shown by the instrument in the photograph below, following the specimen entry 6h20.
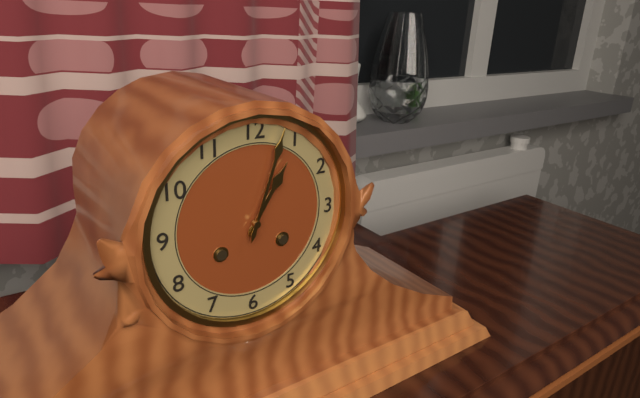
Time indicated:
1h03
